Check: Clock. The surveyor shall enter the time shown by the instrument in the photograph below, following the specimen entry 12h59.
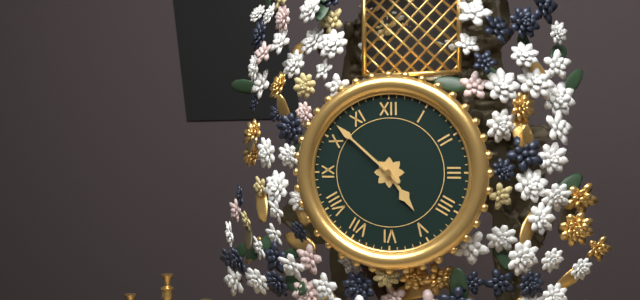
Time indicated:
4h52
